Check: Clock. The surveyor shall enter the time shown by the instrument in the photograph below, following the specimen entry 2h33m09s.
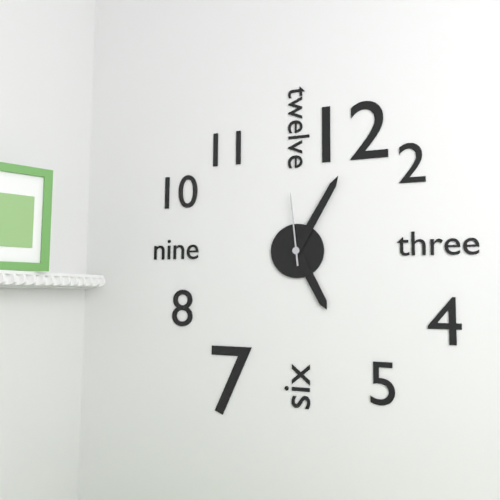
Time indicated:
5h05m59s
